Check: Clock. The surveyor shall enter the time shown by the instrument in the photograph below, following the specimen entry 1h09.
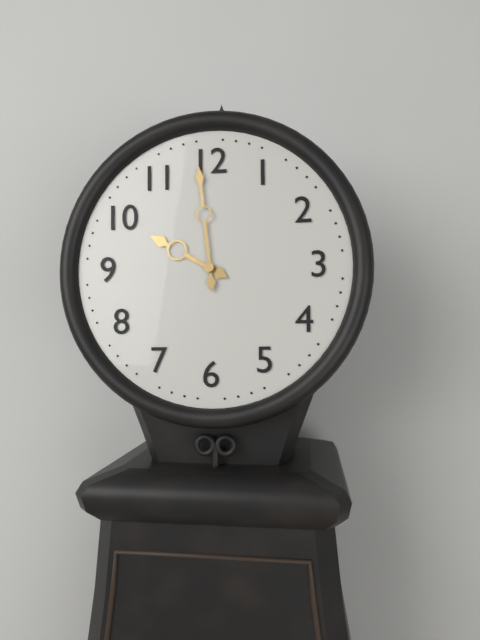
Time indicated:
9h59
